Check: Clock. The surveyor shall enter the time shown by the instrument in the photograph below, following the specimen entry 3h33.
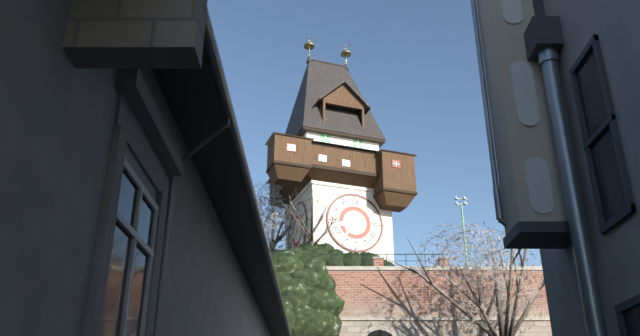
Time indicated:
8h36
